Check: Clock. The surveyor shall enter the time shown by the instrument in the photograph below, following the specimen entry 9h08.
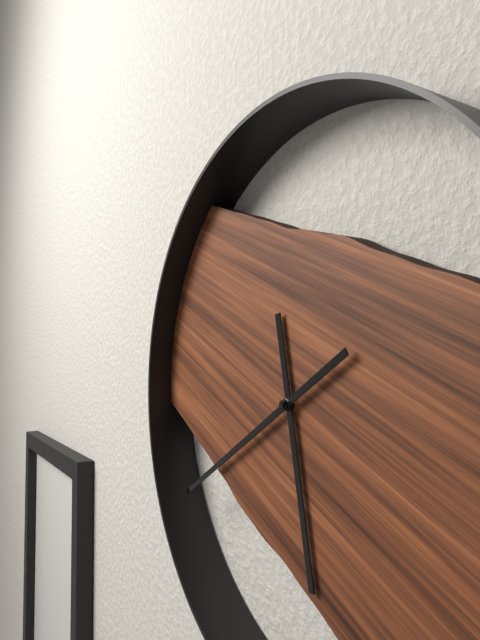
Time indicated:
5h40
